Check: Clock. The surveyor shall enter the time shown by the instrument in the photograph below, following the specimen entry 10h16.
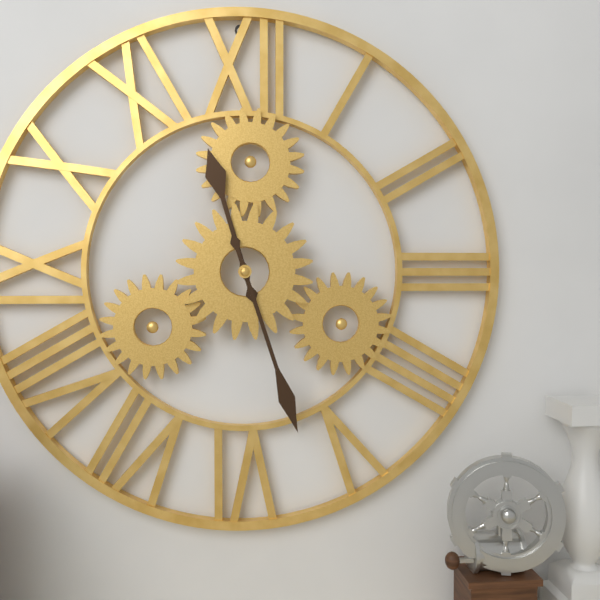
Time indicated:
11h27
